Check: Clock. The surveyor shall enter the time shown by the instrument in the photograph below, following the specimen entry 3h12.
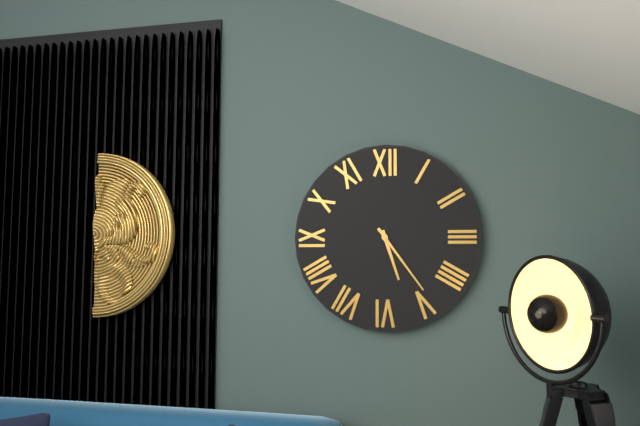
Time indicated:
5h24
